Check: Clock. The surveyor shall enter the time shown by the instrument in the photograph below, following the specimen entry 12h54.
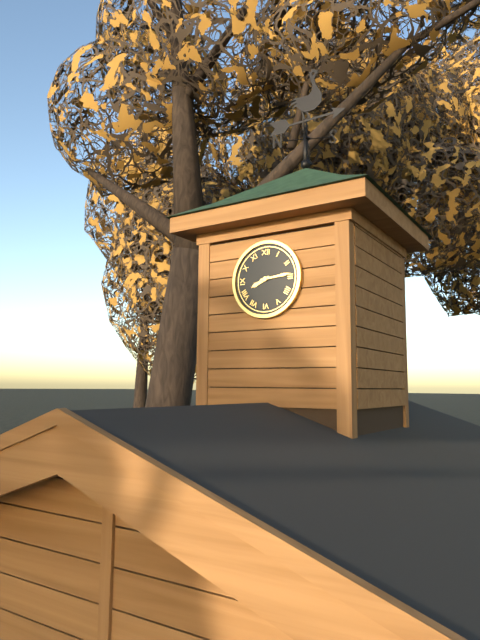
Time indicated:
8h14
